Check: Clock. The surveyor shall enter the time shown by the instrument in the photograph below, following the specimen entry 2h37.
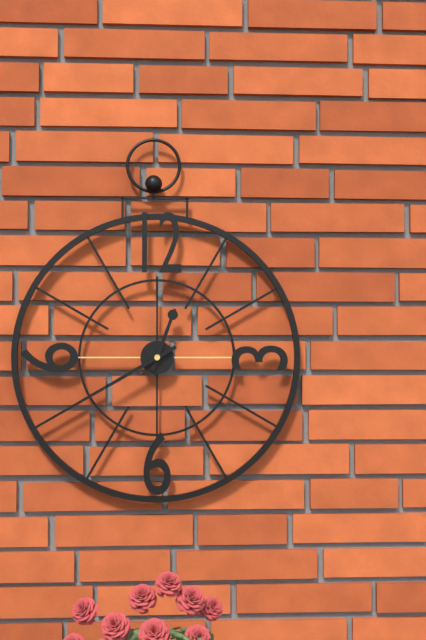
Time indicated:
12h40
